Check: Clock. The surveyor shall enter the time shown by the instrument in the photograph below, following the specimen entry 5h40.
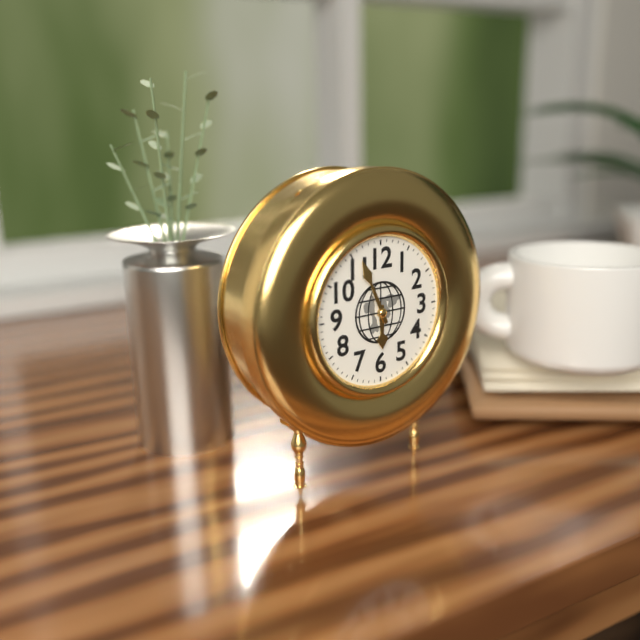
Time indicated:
5h56
